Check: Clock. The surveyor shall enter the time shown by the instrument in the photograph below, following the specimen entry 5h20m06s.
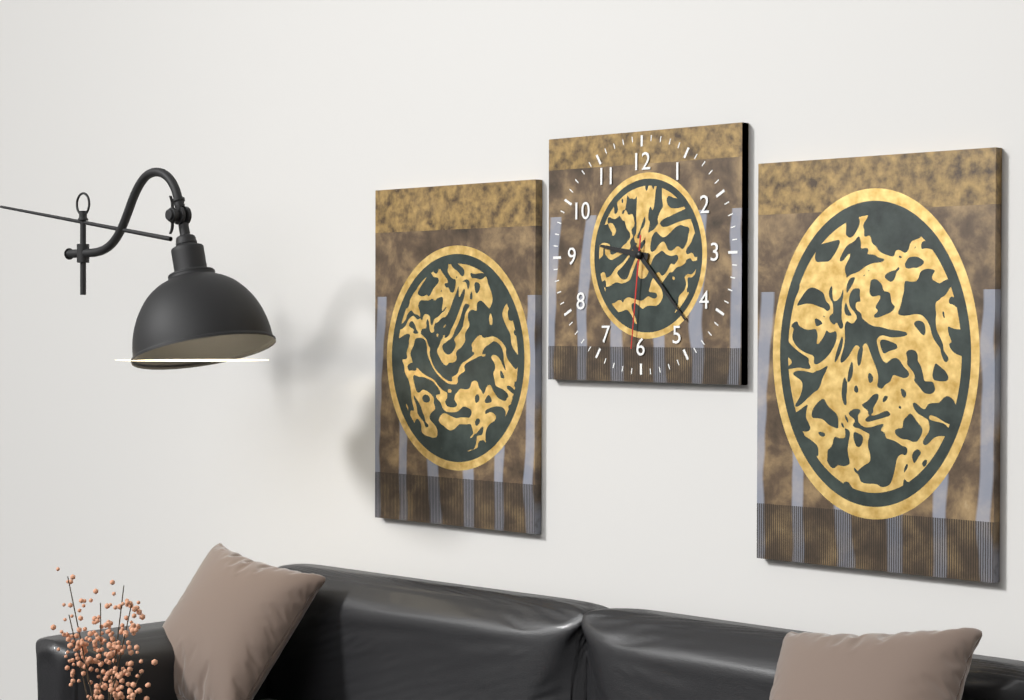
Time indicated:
9h23m31s
